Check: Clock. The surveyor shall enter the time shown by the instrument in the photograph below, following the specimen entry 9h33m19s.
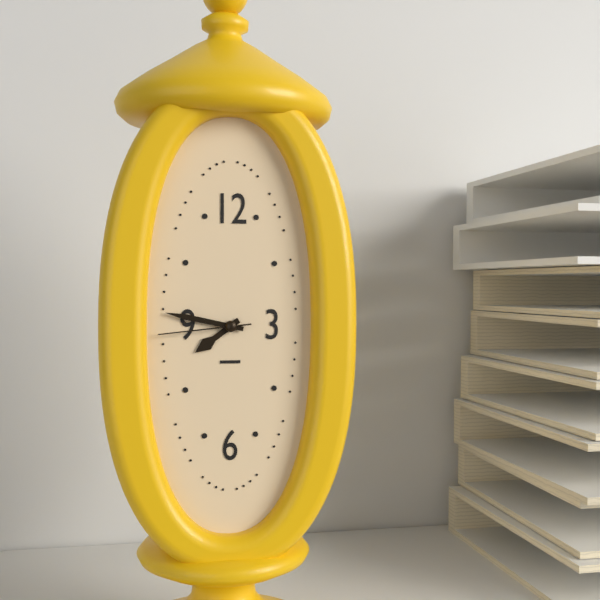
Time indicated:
7h47m44s
